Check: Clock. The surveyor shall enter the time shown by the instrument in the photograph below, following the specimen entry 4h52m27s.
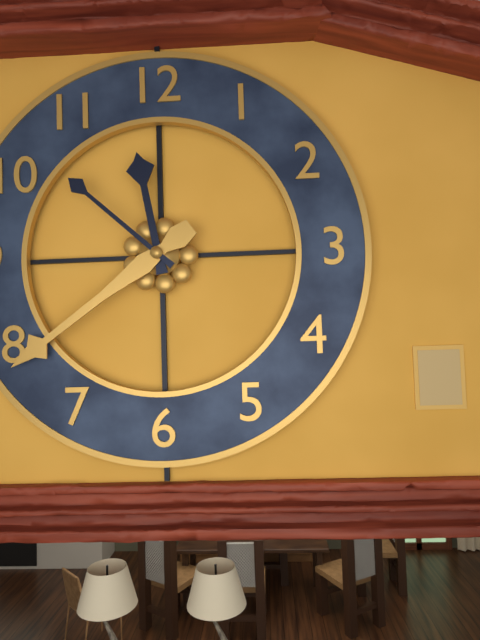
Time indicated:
11h39m52s
